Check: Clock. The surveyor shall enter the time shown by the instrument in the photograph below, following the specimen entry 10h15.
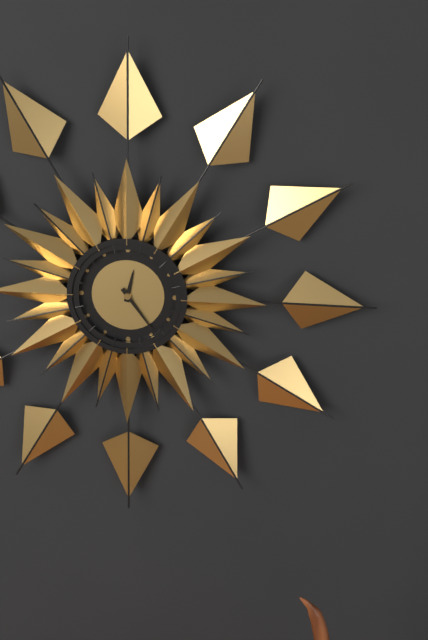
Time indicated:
12h24
